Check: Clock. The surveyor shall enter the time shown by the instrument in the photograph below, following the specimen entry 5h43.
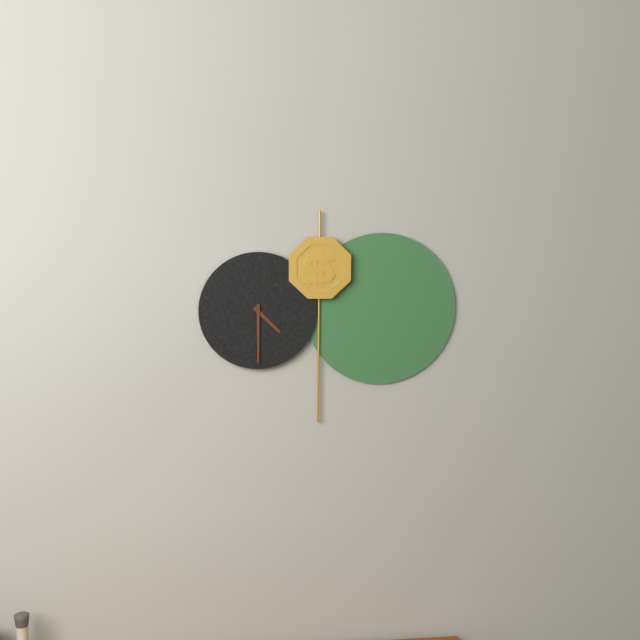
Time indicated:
4h30
